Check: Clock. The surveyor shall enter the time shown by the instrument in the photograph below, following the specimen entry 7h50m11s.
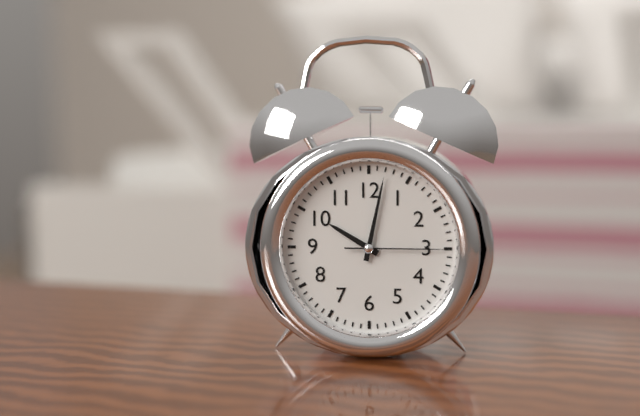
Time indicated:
10h02m15s
